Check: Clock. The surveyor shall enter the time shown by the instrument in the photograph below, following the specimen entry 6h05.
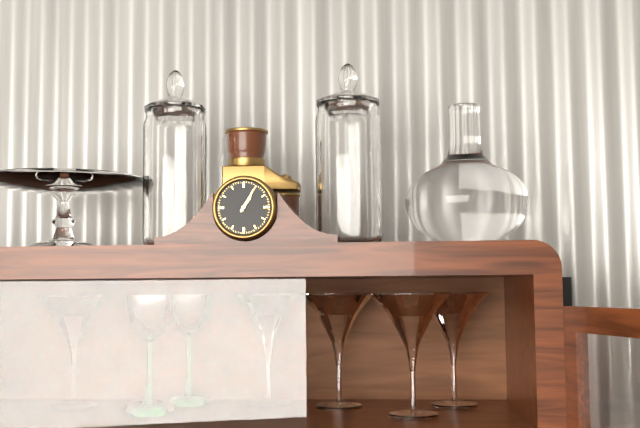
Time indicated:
1h05
